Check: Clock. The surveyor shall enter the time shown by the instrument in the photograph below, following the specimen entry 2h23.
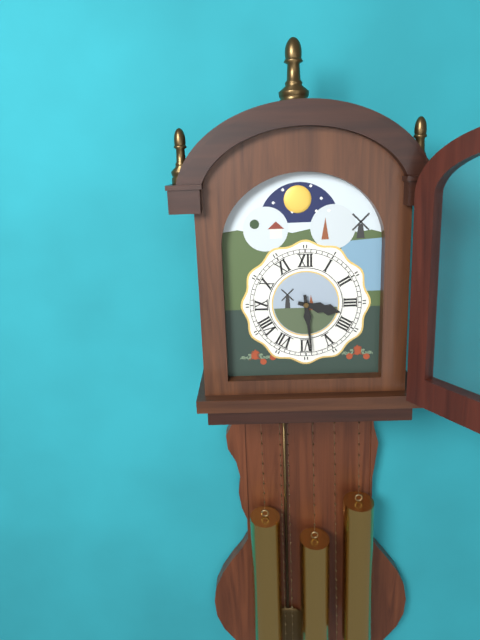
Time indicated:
3h29
